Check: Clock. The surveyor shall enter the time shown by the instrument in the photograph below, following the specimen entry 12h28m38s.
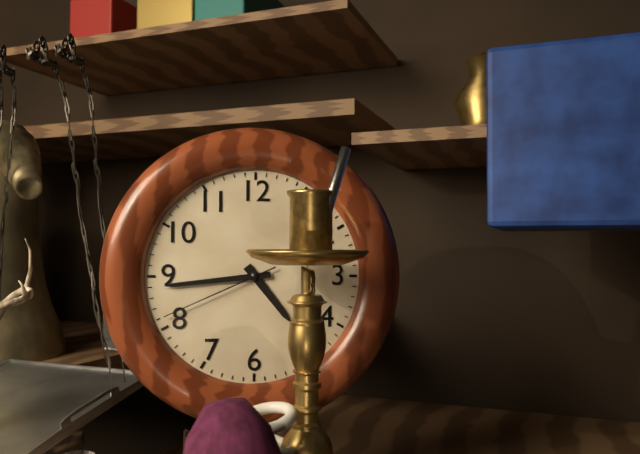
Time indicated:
4h44m41s
